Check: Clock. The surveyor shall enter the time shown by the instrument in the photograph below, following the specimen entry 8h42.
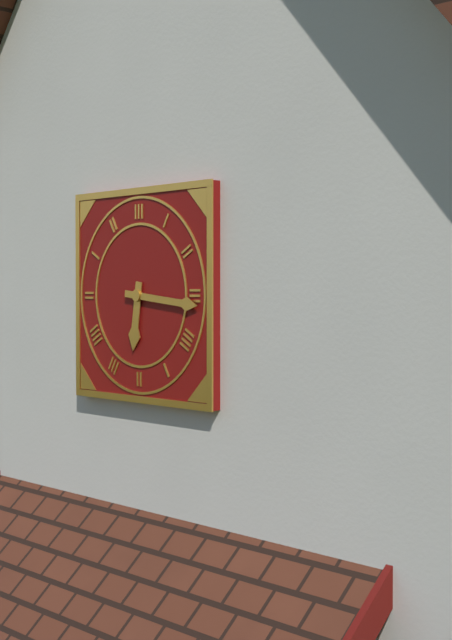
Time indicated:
6h16
